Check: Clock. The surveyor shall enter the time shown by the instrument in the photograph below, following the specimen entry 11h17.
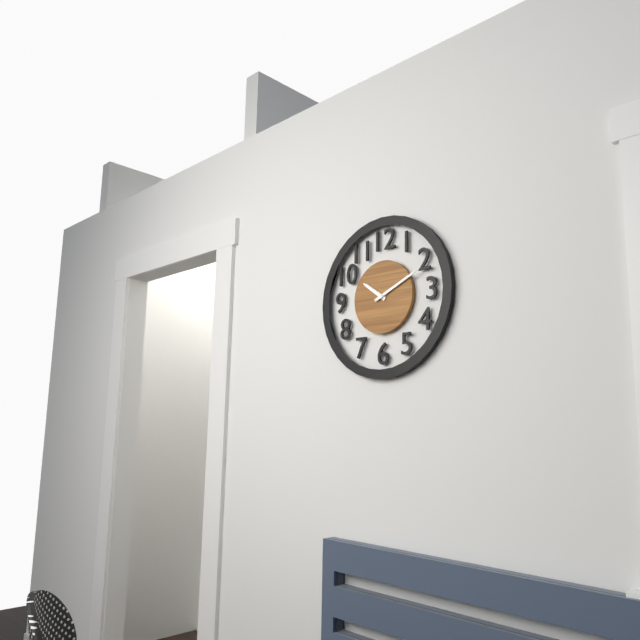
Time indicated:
10h11
